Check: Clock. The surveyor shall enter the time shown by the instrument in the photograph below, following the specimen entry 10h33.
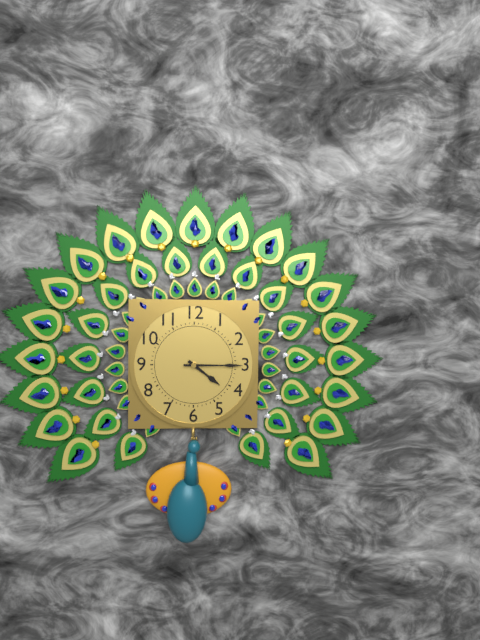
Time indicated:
4h15
